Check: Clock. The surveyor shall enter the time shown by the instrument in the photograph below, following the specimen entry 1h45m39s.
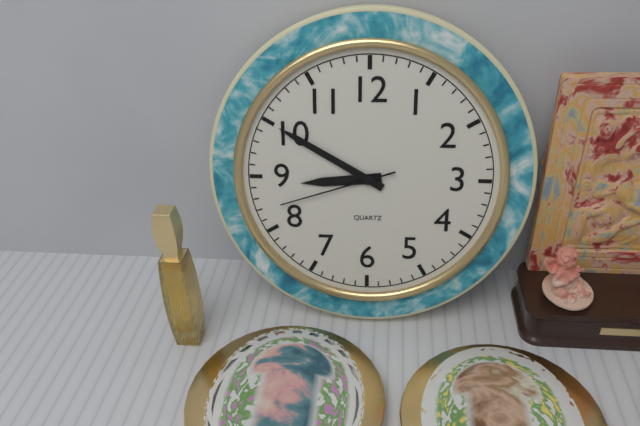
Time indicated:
8h50m42s
